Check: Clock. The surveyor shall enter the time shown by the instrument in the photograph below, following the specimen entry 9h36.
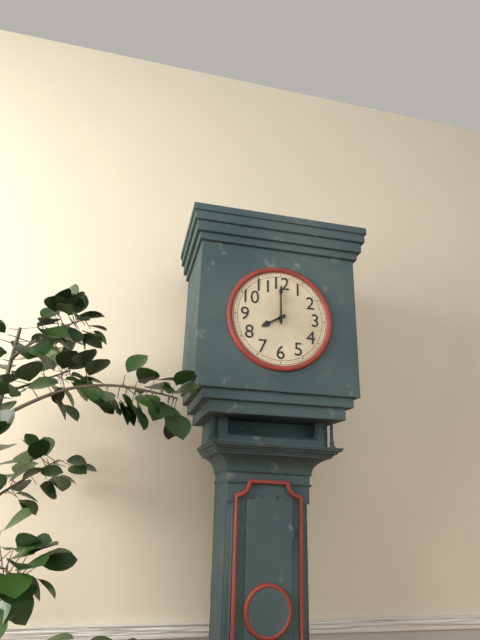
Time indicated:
8h00
